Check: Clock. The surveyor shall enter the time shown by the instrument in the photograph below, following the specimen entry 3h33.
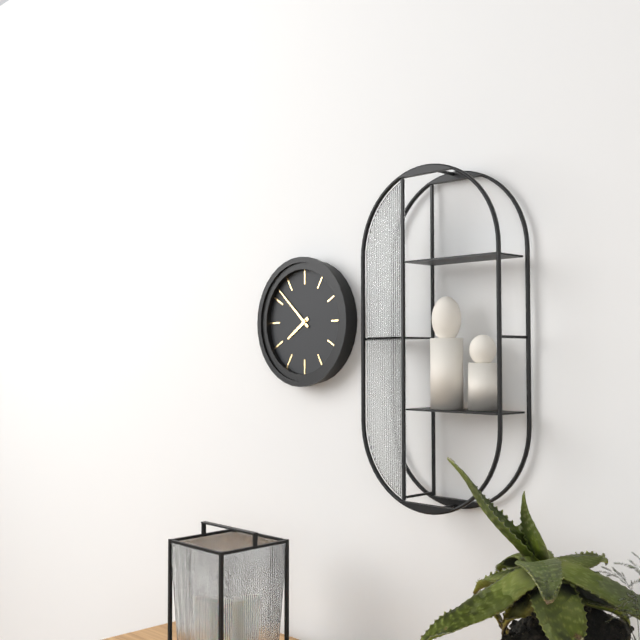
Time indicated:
7h52
